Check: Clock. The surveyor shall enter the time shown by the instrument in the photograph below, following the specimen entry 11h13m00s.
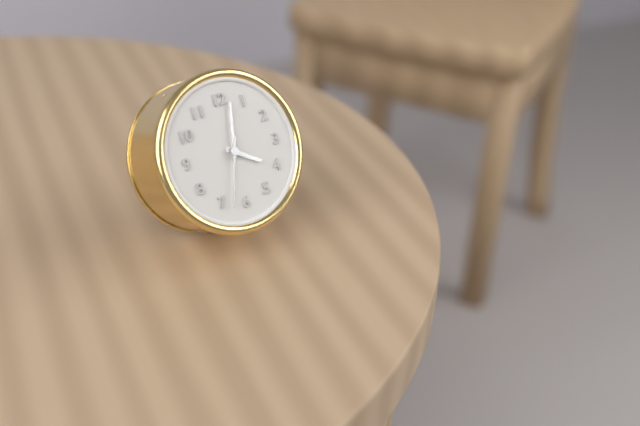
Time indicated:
4h02m33s
